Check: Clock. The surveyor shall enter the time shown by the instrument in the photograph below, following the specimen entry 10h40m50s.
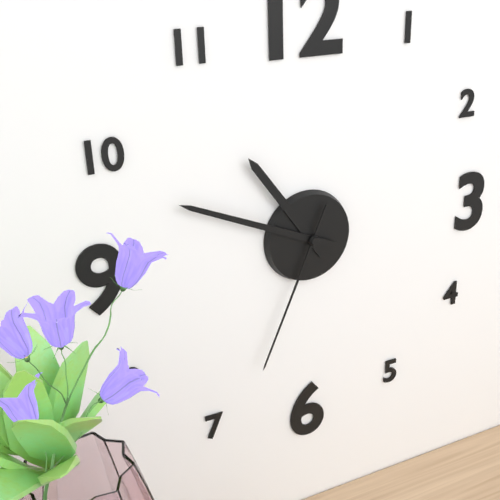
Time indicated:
10h49m34s
